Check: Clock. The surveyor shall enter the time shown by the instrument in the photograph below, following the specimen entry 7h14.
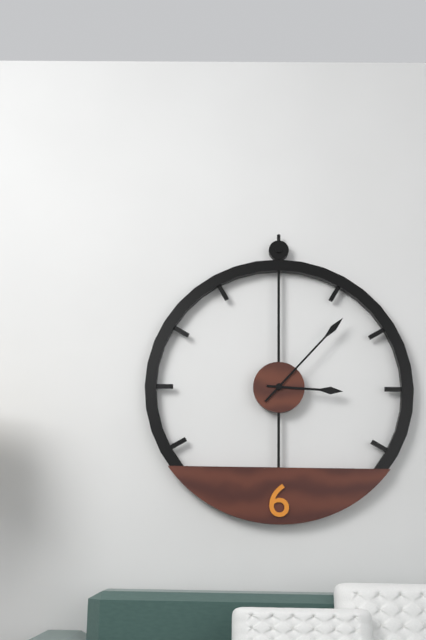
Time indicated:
3h07
